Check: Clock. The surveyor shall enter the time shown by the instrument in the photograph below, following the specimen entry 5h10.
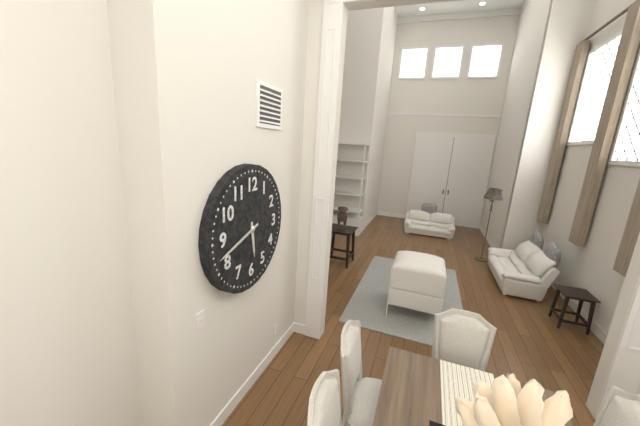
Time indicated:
5h42
